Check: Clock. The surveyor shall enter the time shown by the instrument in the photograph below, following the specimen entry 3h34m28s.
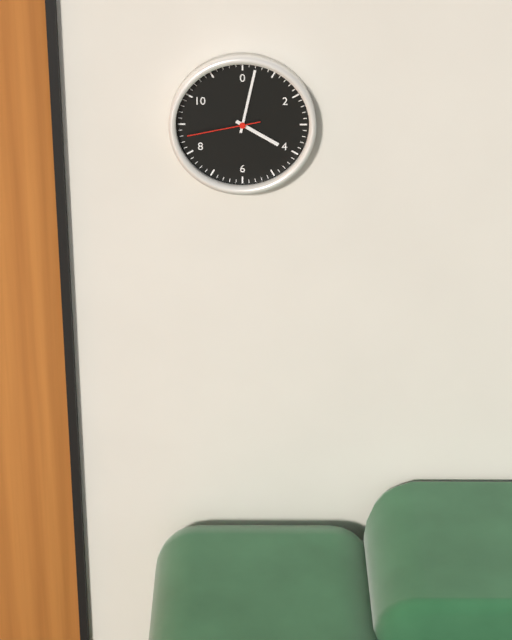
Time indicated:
4h02m43s
